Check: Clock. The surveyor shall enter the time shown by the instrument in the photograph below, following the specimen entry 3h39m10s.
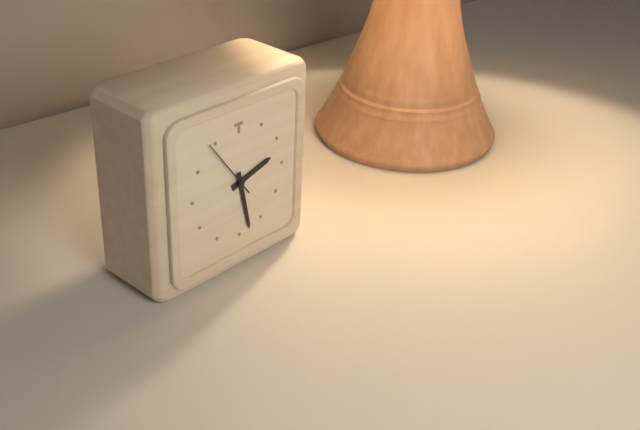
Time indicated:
2h28m54s
